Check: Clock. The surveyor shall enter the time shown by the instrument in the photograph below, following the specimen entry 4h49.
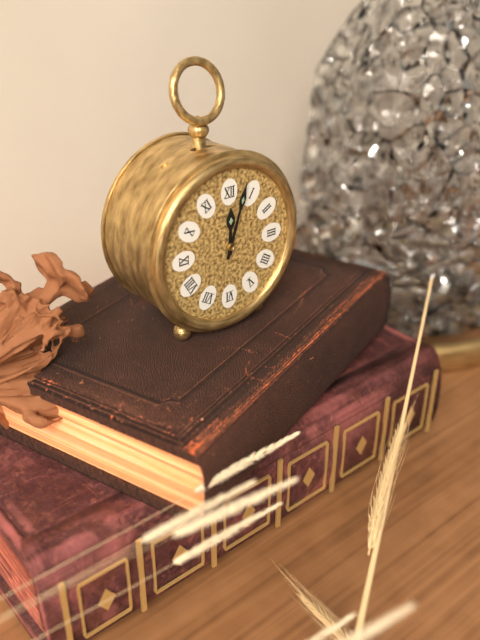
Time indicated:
12h03
